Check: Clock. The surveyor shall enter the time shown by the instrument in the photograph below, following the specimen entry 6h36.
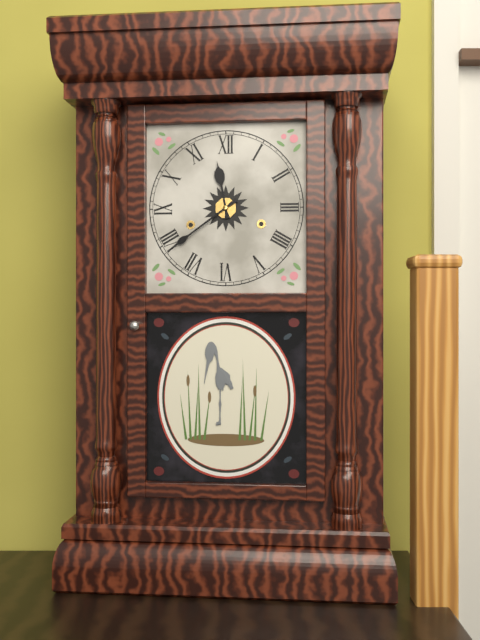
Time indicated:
11h39
